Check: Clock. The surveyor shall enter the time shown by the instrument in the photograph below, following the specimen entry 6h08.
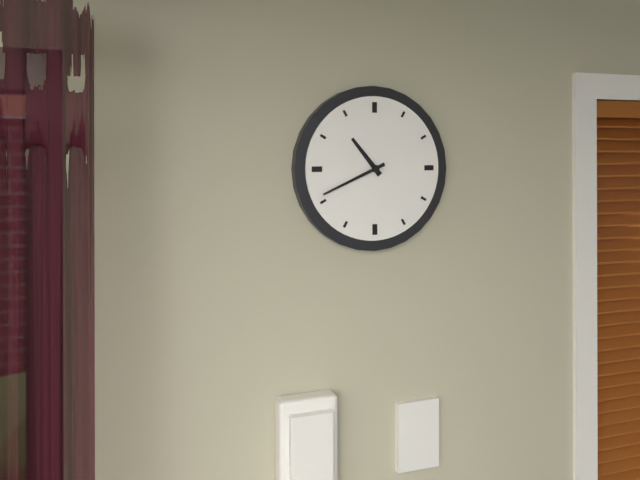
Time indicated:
10h41
